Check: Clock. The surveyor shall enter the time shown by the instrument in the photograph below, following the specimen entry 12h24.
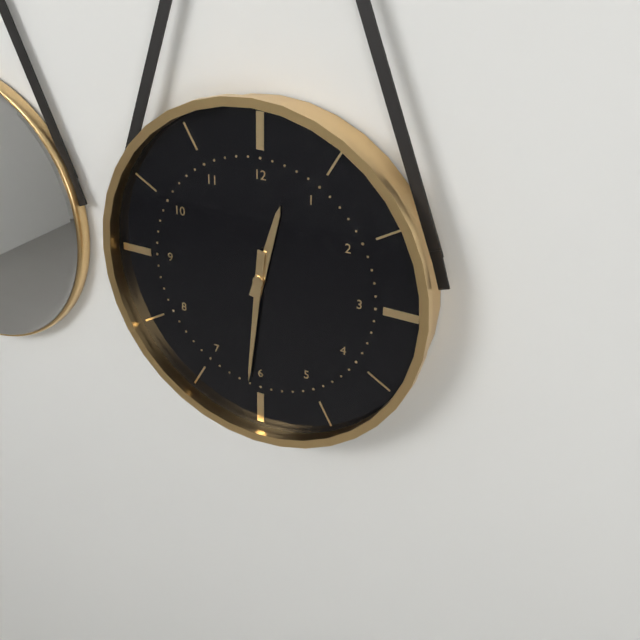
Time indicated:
12h31
